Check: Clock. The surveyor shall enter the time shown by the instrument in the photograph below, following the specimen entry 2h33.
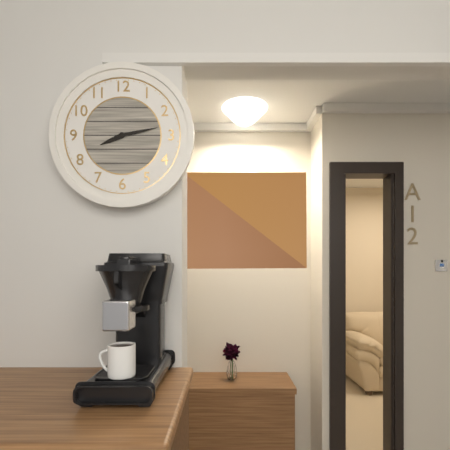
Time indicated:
8h13
